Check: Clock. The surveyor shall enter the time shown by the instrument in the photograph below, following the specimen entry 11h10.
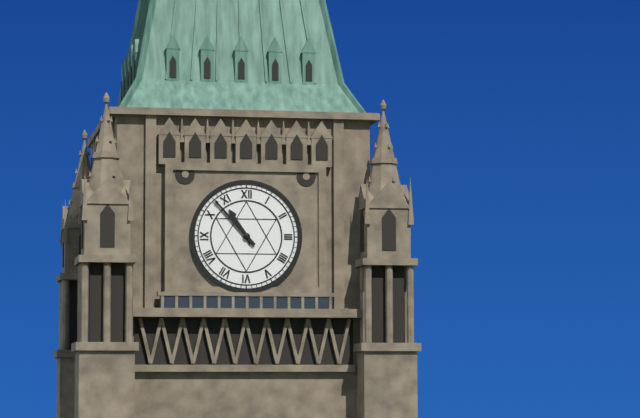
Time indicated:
10h53
